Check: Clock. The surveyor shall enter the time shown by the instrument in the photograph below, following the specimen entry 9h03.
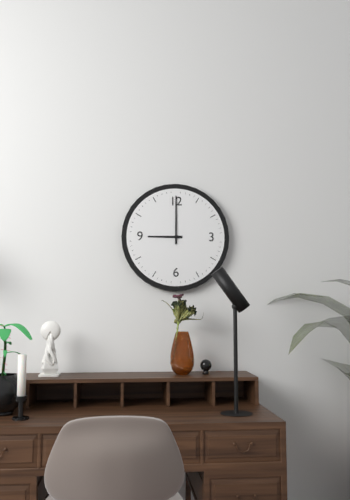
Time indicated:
9h00
